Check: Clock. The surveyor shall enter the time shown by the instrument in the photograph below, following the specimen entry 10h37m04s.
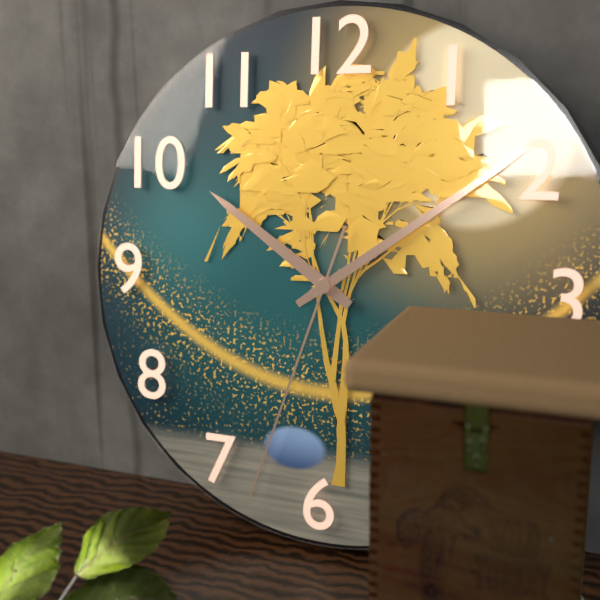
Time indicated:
10h09m33s
